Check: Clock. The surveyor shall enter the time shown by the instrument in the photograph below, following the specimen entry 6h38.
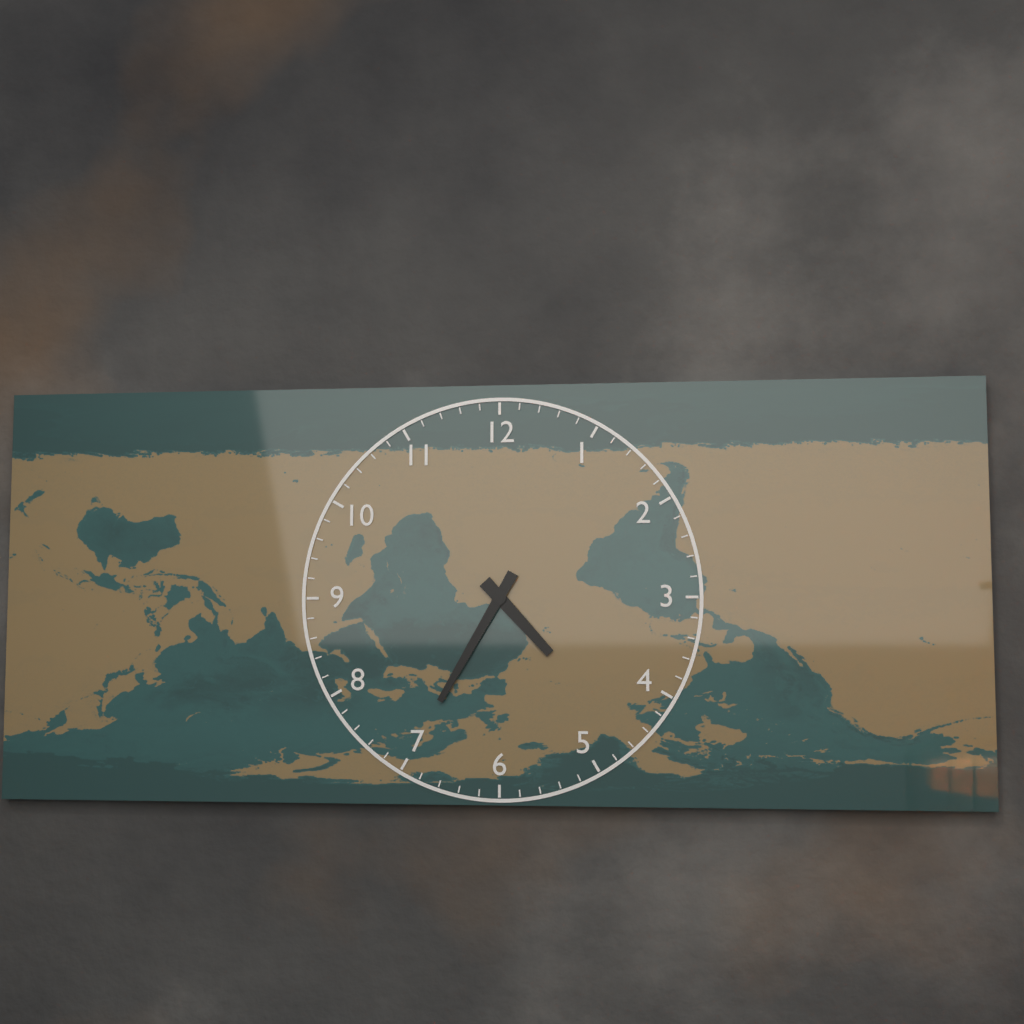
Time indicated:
4h35
